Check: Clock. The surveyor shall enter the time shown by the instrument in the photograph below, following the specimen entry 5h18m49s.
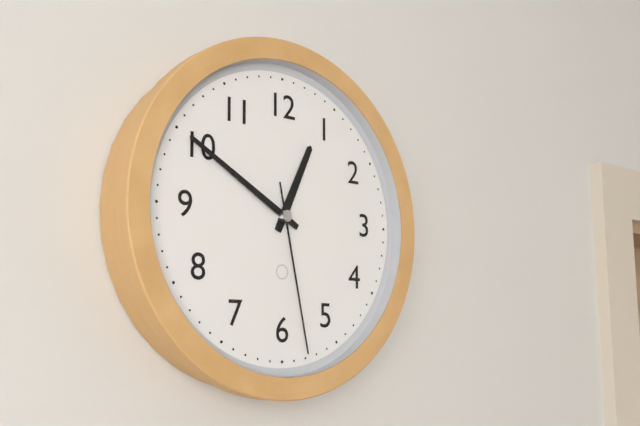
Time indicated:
12h50m28s
